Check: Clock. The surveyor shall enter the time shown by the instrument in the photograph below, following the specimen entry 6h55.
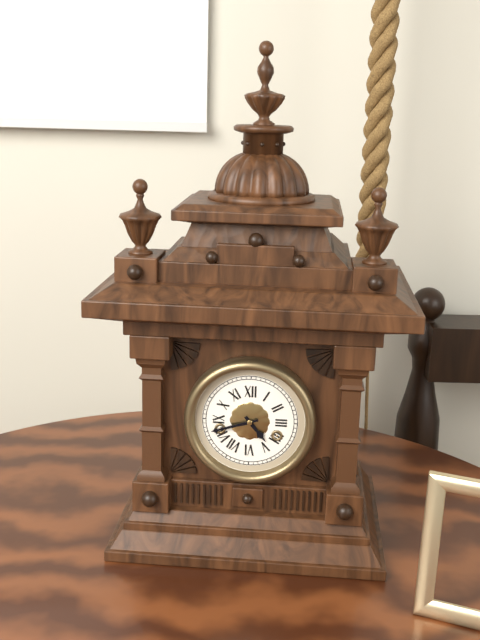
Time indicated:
4h42
